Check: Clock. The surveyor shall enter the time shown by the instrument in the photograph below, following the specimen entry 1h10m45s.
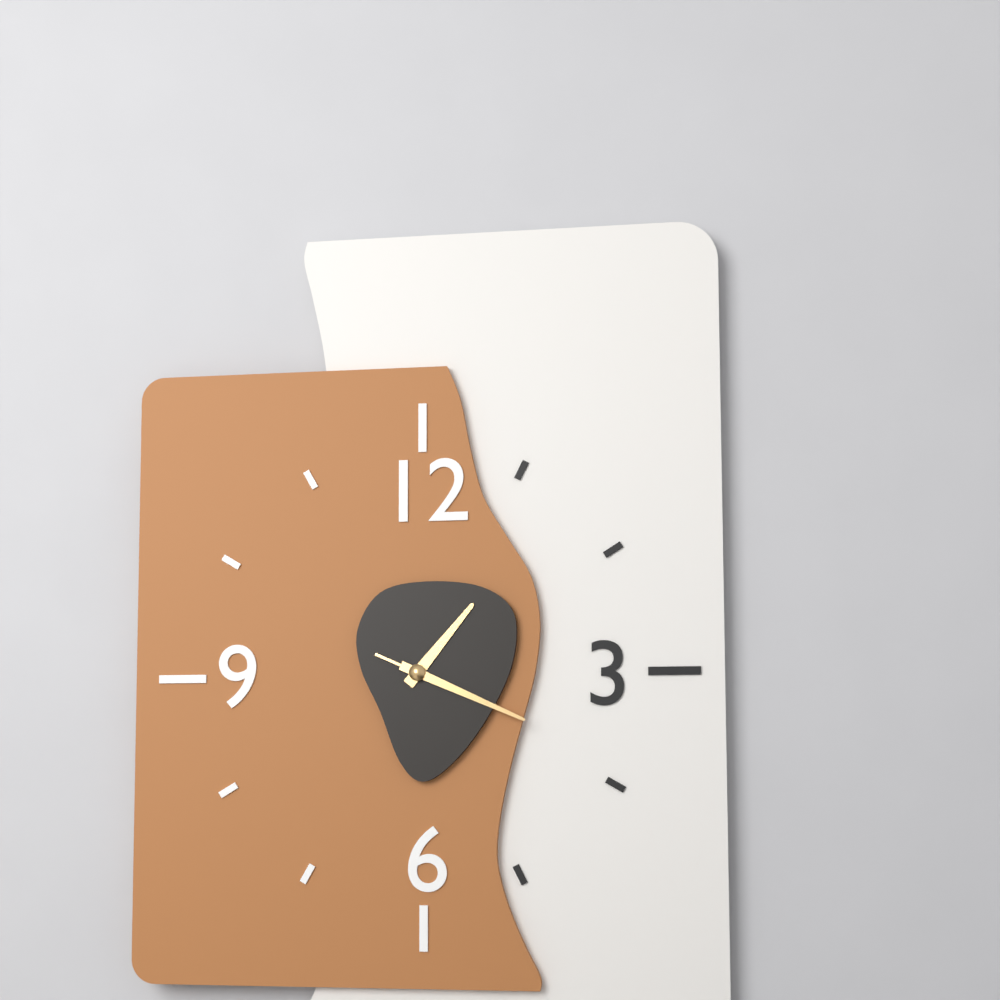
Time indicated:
1h19m19s
